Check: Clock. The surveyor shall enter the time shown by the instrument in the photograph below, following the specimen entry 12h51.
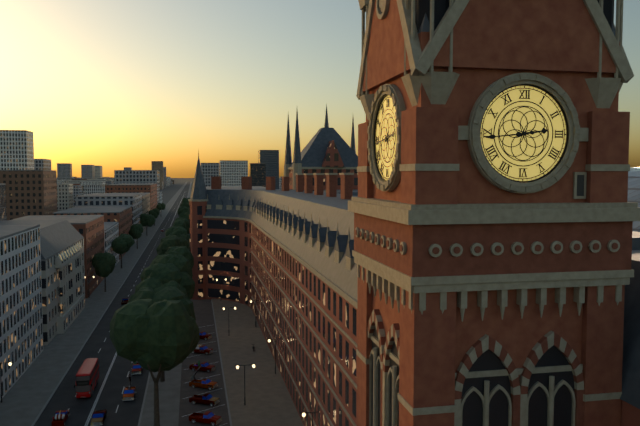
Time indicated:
2h44
